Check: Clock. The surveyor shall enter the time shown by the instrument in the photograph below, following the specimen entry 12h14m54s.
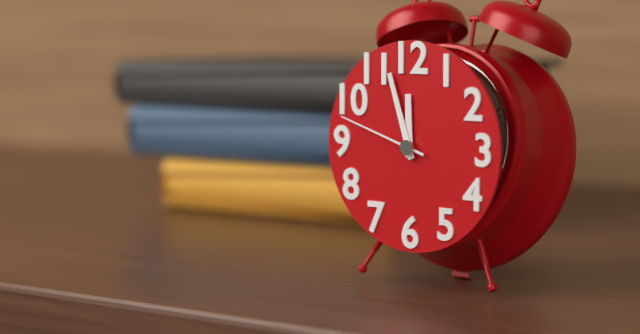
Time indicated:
11h57m48s
